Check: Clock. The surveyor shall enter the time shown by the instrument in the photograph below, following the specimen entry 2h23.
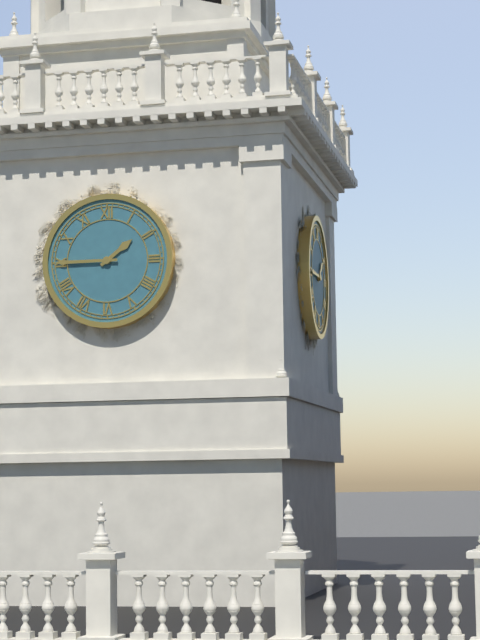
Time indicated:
1h45
